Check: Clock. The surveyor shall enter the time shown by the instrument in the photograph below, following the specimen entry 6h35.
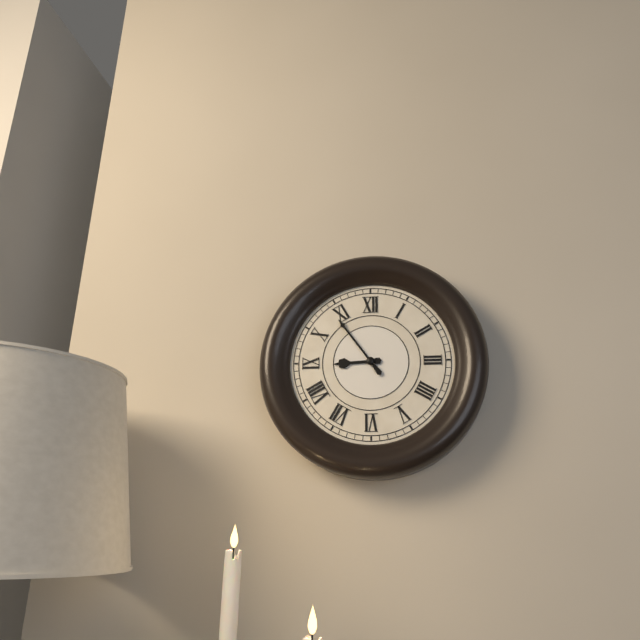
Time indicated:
8h54
